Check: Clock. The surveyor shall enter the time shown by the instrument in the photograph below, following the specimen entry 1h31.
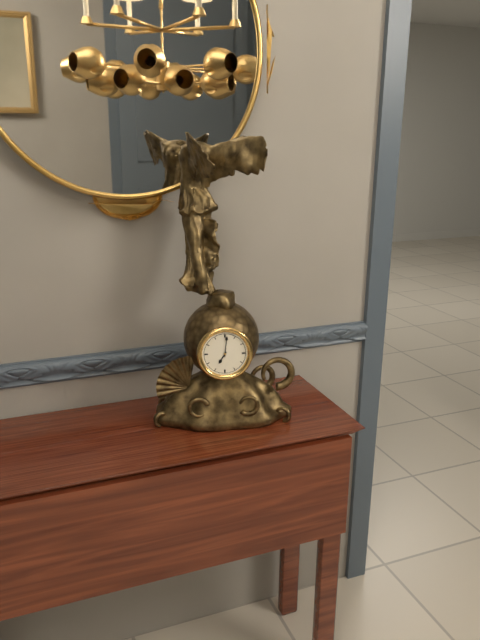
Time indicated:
7h01
